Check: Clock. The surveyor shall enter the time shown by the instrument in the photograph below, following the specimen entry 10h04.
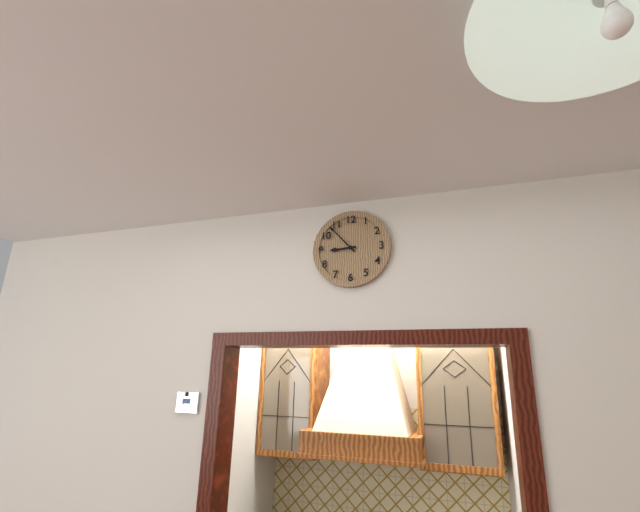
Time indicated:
8h53
